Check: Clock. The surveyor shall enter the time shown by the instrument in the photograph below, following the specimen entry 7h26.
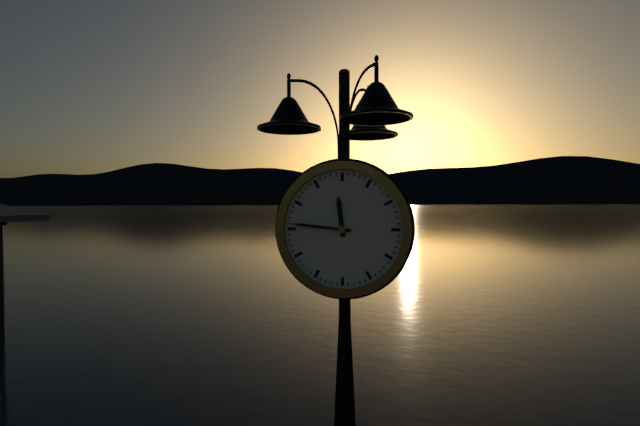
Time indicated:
11h46
